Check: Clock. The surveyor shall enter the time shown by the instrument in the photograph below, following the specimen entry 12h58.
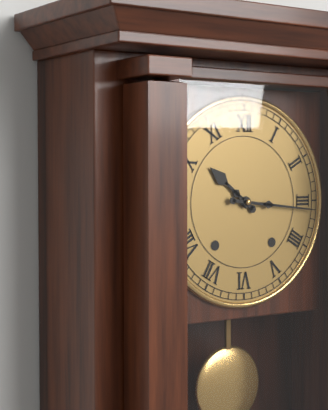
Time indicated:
10h16
